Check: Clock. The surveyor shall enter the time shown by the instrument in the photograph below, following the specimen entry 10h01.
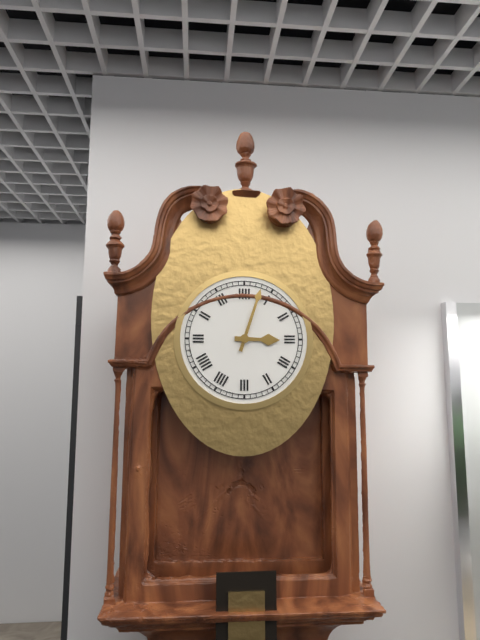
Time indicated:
3h03
